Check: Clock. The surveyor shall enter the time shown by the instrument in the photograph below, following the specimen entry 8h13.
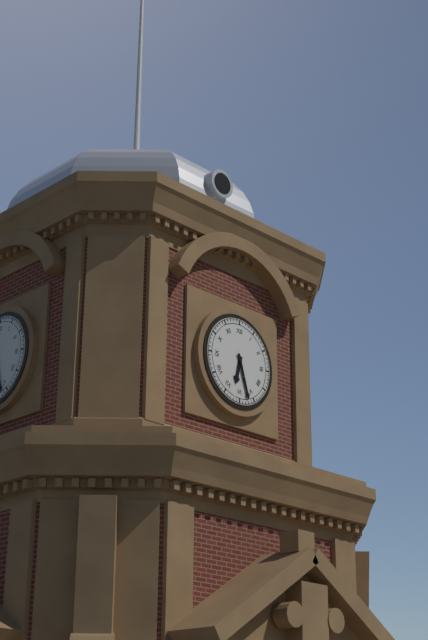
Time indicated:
6h27
